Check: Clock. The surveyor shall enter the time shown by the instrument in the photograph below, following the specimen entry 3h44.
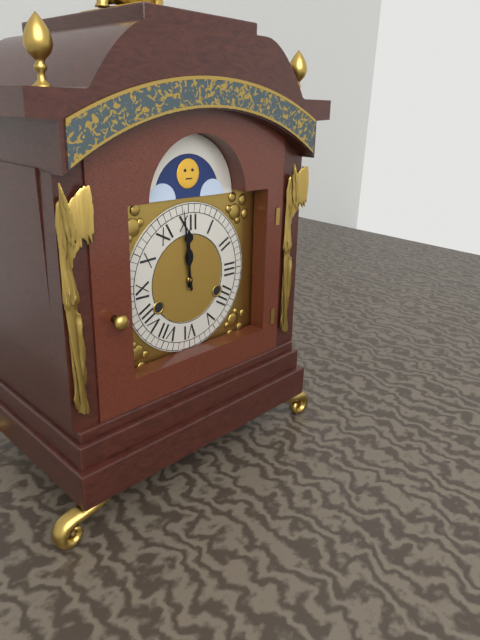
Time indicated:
11h59
